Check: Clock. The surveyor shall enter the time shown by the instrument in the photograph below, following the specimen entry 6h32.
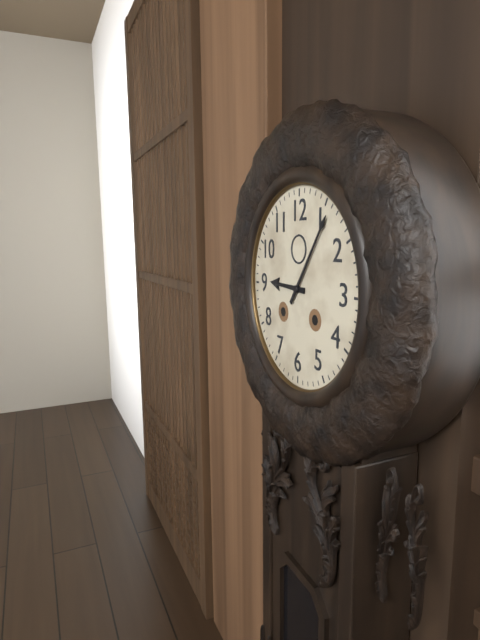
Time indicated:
9h06
